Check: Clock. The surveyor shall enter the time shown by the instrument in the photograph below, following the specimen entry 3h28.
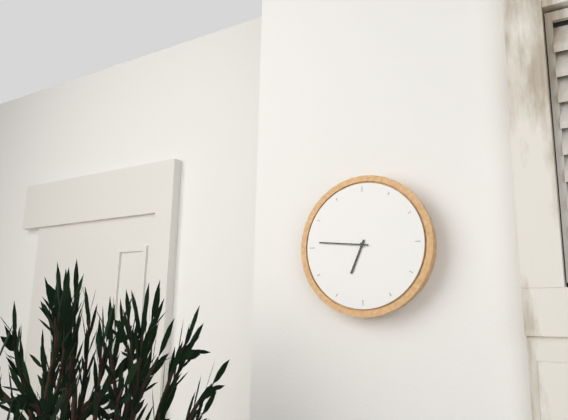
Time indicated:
6h46
